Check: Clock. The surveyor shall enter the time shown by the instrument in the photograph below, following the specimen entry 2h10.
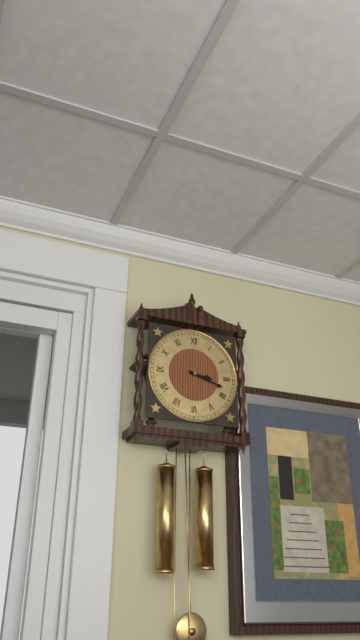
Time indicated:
3h18
